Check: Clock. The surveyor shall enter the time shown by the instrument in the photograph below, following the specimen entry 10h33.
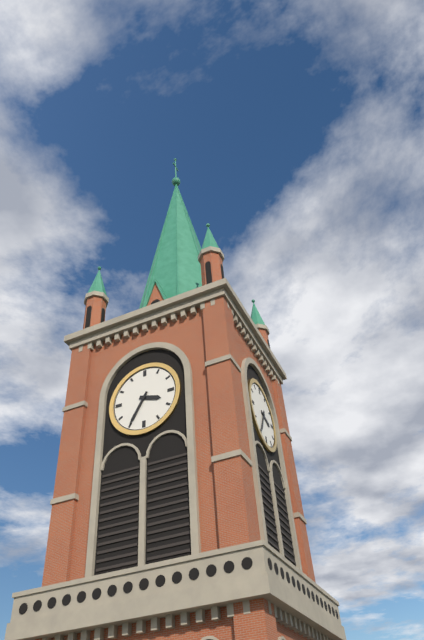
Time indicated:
3h35
